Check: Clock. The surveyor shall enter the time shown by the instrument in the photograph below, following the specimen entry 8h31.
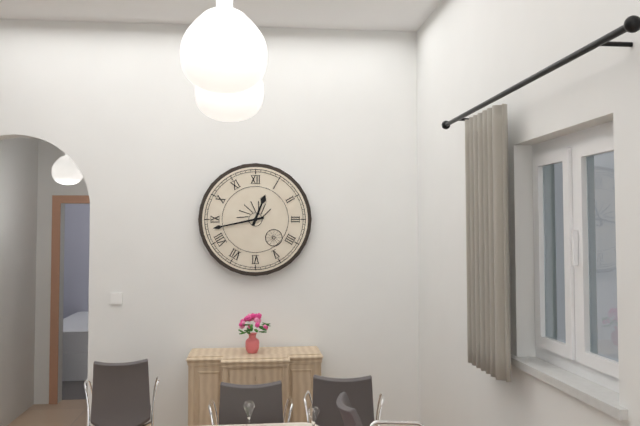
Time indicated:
12h43
